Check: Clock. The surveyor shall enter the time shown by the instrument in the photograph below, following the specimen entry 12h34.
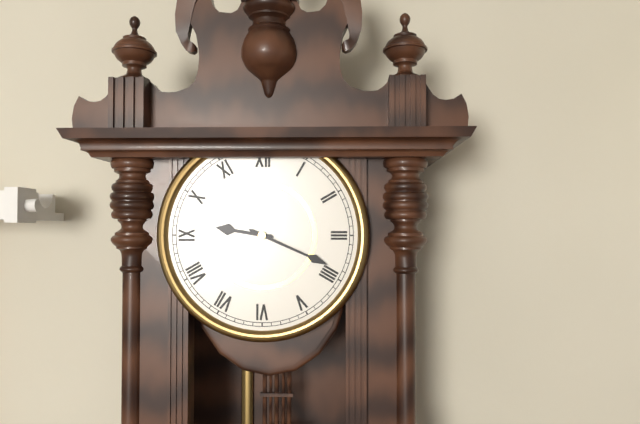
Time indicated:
9h19
